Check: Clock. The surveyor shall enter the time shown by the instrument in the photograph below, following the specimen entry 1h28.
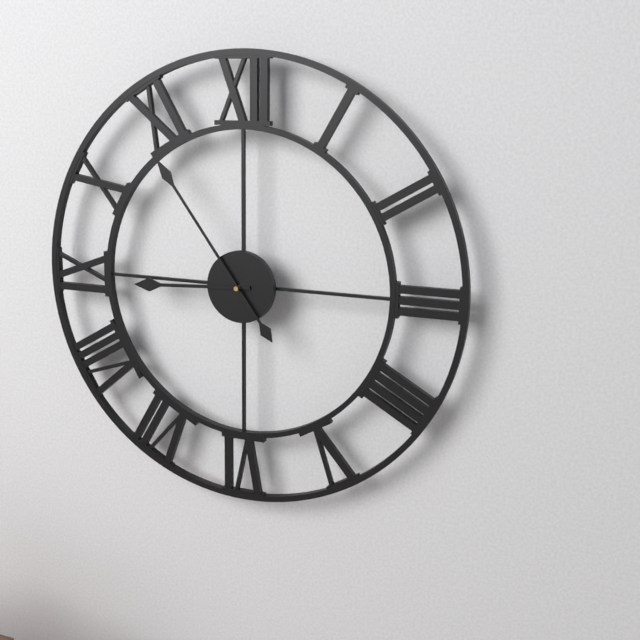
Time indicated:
8h54
